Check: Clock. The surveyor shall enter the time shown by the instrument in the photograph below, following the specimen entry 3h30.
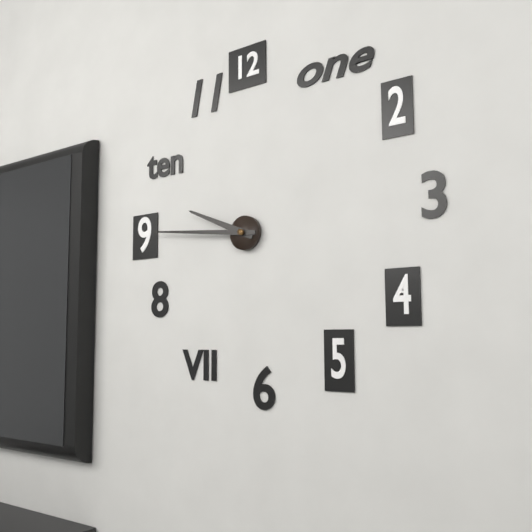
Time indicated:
9h46
